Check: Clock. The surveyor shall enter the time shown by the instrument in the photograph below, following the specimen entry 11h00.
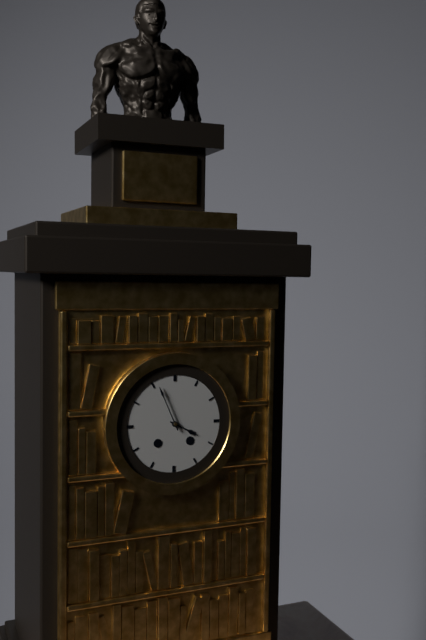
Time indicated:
3h56
